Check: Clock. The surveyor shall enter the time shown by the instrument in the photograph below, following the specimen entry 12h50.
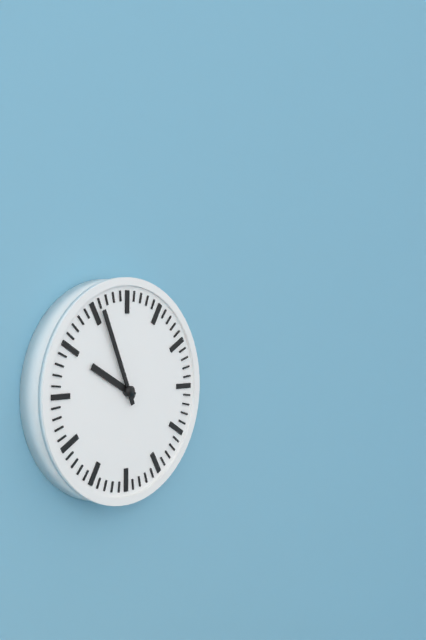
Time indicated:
9h56
